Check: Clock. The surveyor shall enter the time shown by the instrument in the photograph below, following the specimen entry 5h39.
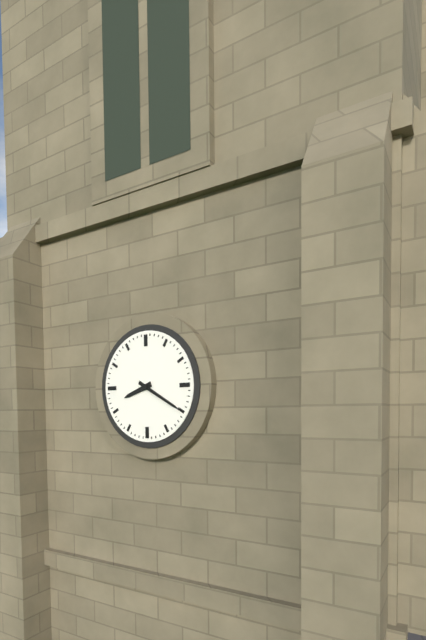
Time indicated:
8h20
